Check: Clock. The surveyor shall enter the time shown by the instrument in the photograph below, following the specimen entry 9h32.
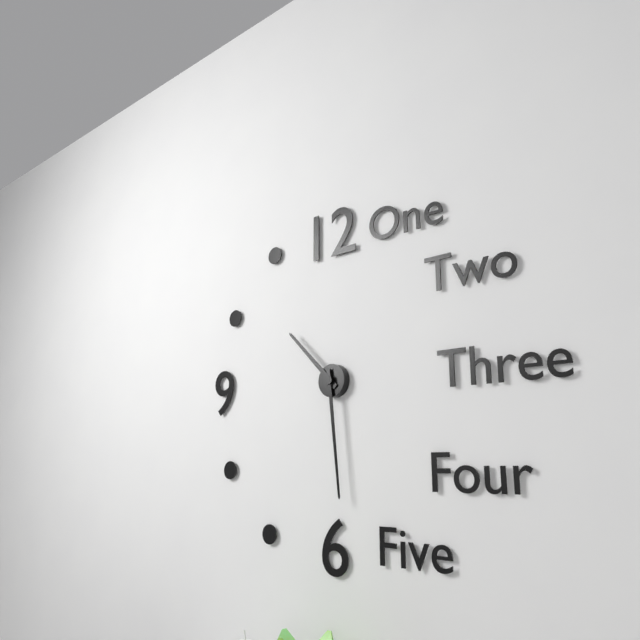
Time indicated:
10h29
